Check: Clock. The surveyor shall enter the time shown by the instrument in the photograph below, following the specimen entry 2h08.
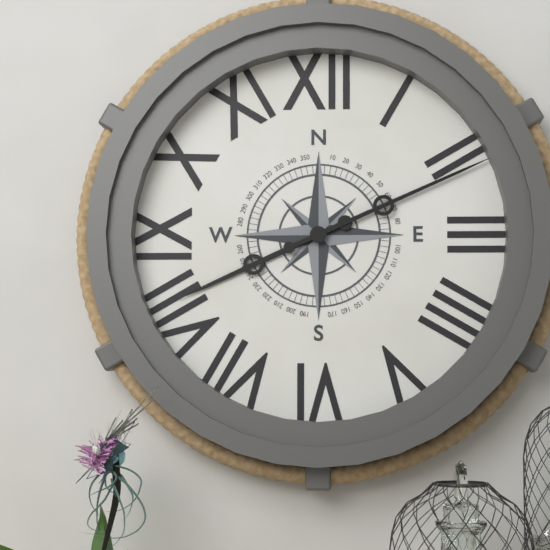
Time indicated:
8h11
